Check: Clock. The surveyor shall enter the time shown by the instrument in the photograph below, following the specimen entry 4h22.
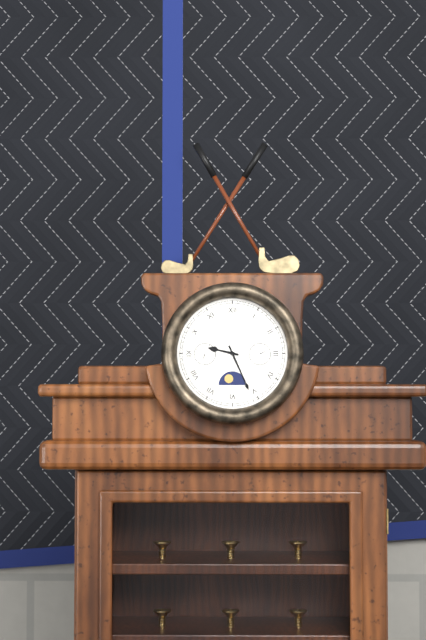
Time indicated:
9h26
